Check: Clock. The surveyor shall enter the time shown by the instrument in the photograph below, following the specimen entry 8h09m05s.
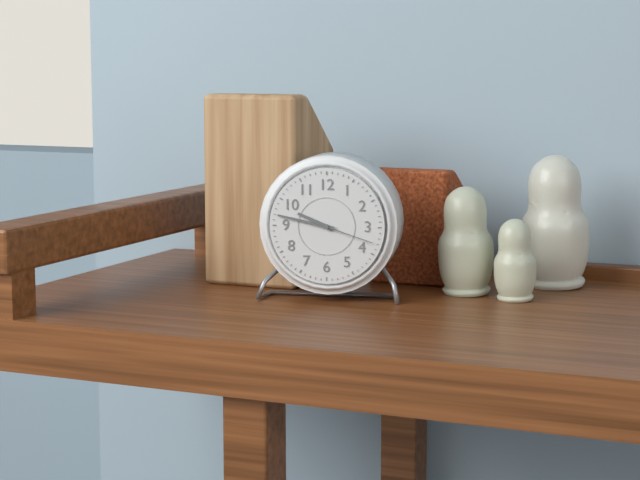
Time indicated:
9h47m18s
